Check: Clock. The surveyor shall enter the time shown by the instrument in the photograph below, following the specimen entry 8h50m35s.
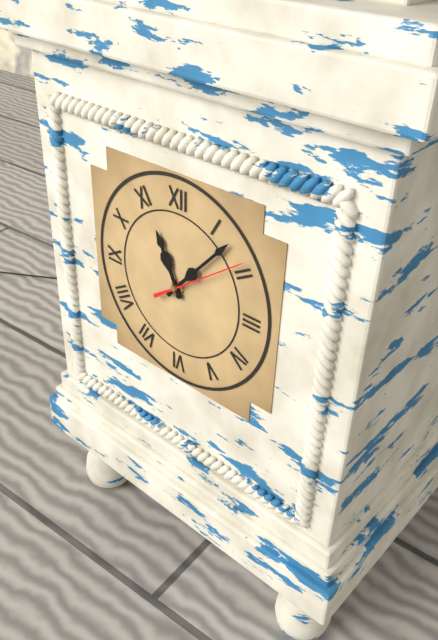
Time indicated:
11h07m09s
